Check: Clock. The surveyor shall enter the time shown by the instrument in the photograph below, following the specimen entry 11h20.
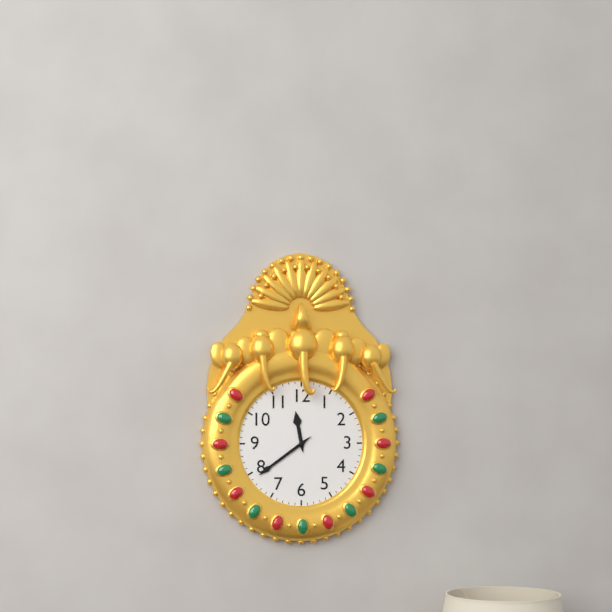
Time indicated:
11h39
